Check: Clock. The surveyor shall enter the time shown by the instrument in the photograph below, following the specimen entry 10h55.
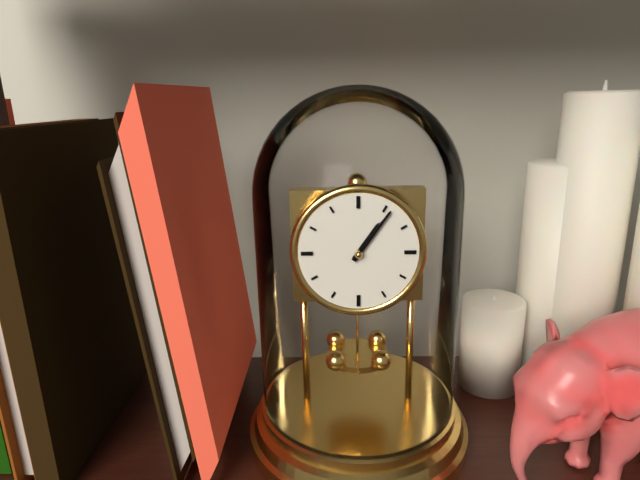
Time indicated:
1h06
